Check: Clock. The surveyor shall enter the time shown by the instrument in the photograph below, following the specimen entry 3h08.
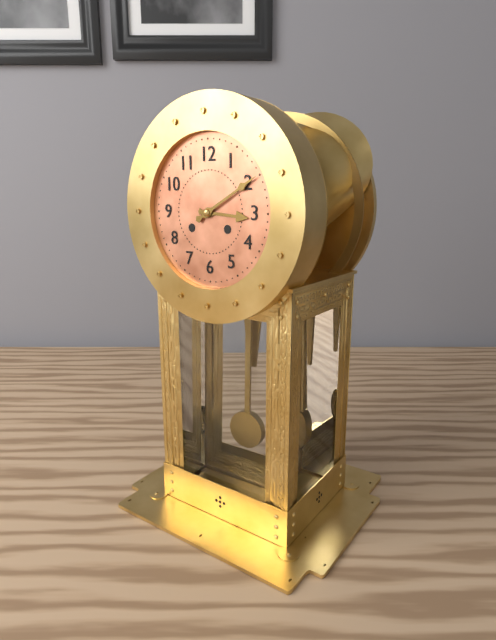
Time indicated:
3h10
